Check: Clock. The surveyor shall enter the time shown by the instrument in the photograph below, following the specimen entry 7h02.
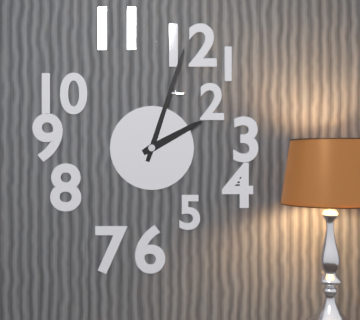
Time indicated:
2h03
